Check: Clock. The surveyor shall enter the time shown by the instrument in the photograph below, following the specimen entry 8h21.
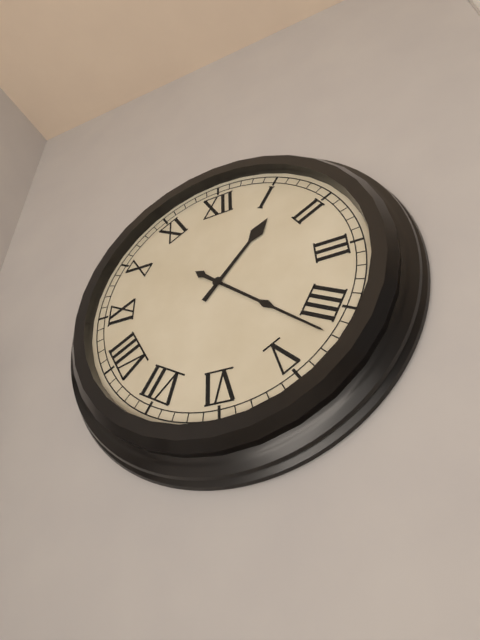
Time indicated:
1h22
